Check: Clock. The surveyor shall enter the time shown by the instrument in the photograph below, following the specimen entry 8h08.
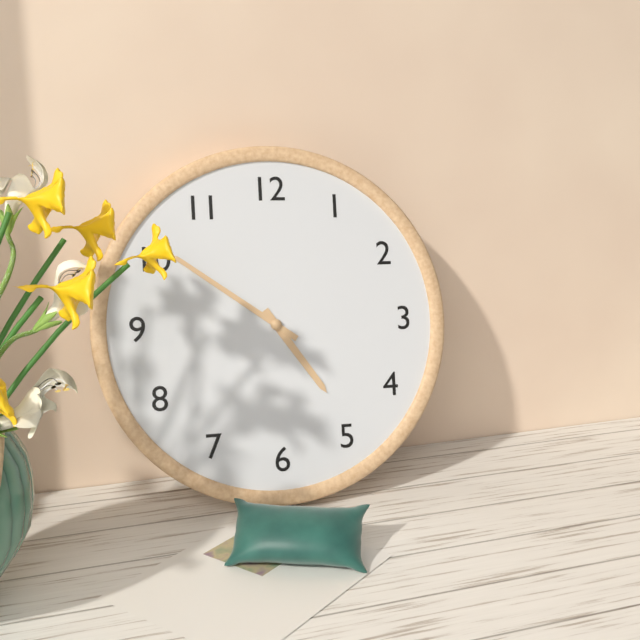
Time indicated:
4h51
